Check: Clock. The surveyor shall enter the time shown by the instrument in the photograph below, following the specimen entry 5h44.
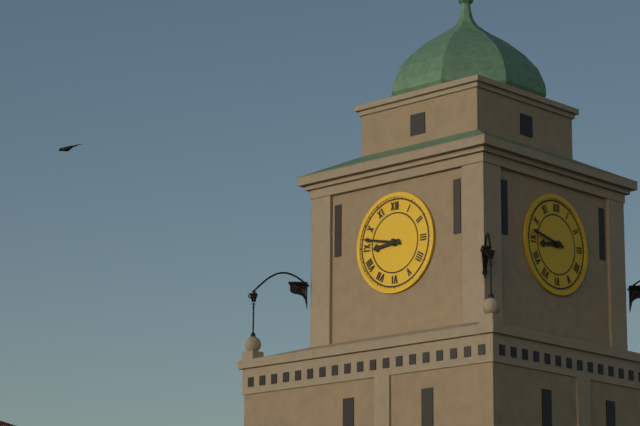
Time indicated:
8h47
